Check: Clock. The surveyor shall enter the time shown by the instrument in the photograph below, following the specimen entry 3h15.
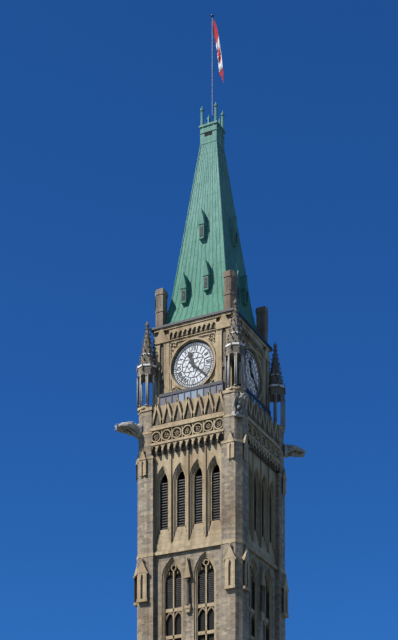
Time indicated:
11h22
